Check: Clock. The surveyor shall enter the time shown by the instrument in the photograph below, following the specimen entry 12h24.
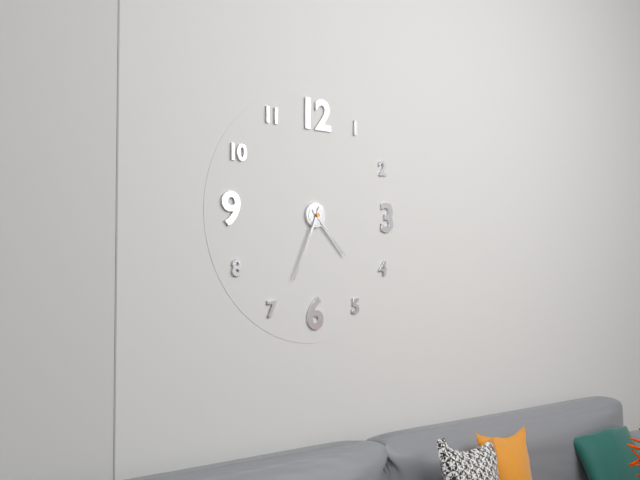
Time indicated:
4h34
